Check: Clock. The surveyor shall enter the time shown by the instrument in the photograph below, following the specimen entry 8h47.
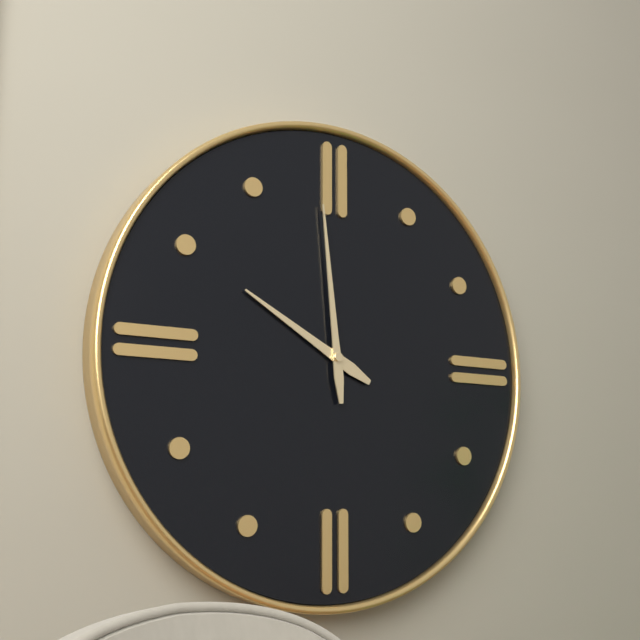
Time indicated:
9h59
